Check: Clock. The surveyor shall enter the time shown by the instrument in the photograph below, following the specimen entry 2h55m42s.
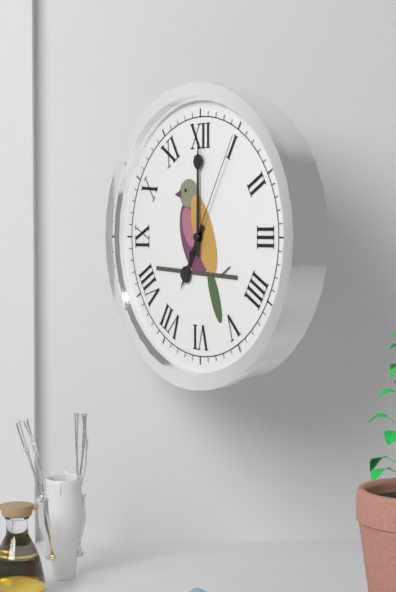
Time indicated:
7h00m05s
